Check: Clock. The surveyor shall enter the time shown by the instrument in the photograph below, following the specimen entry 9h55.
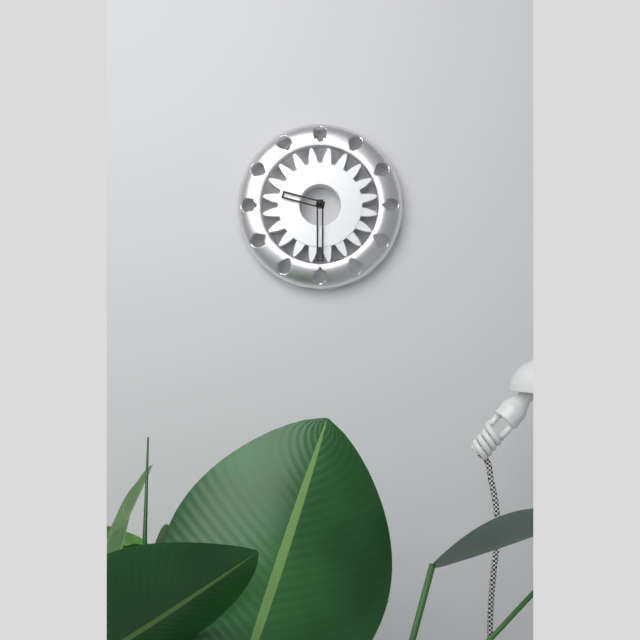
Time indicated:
9h30
